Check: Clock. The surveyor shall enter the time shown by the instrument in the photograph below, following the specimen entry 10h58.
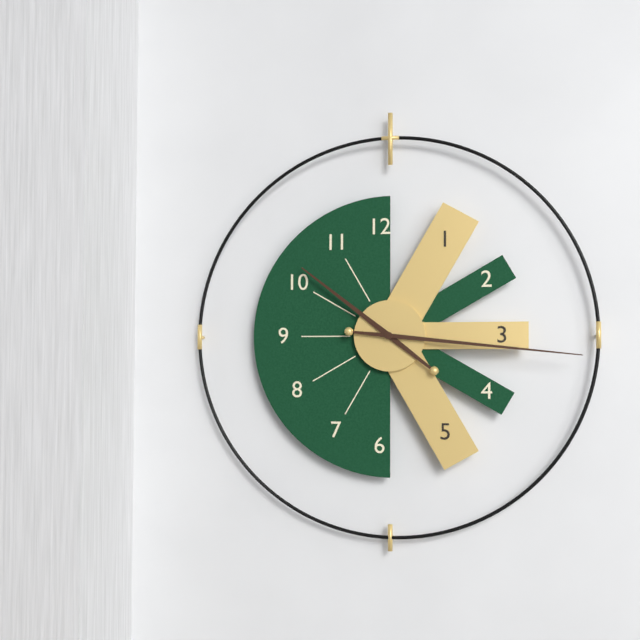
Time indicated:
10h16
